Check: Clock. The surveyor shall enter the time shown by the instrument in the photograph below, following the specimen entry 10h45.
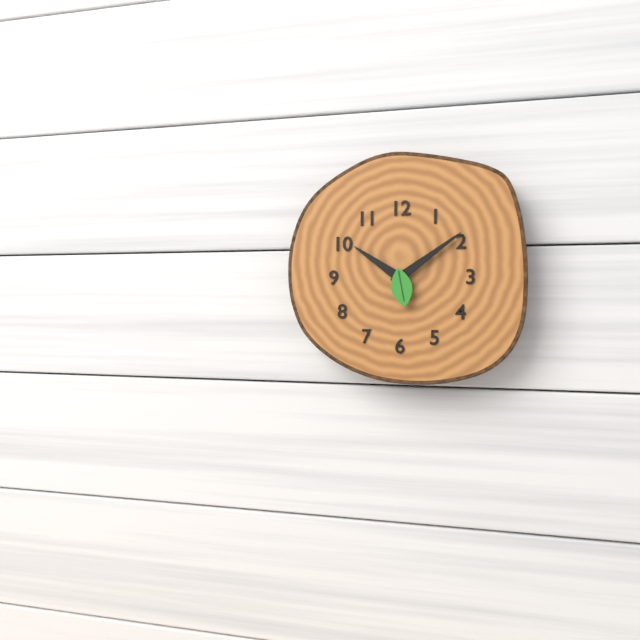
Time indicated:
10h09
